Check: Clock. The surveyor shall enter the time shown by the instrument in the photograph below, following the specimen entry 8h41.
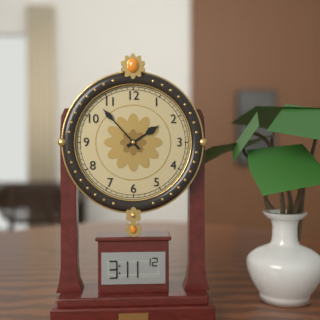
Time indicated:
1h53
